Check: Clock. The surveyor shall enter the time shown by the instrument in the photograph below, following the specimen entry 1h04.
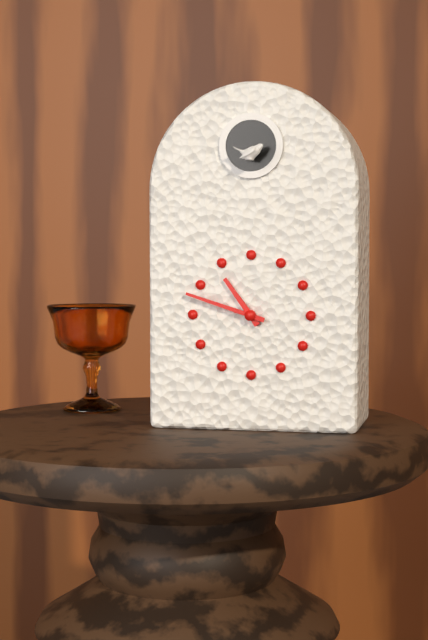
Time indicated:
10h48
